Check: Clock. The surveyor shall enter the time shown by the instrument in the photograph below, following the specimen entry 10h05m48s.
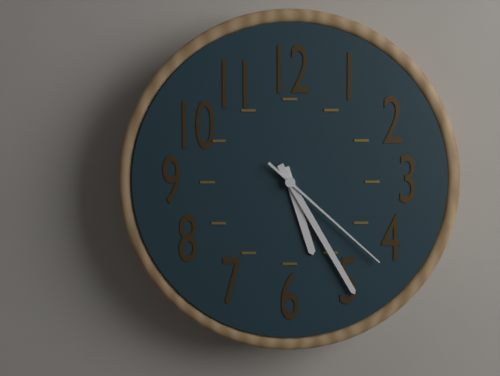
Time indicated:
5h25m22s
